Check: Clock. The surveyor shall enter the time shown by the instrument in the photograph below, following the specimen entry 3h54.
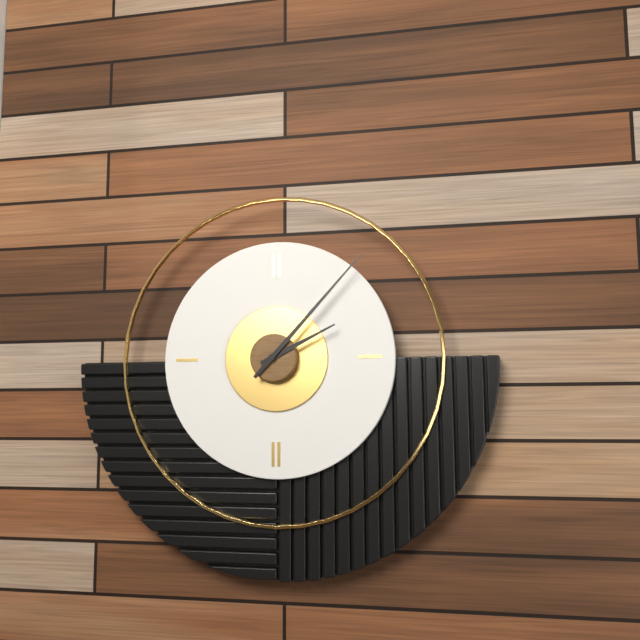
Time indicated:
2h07
